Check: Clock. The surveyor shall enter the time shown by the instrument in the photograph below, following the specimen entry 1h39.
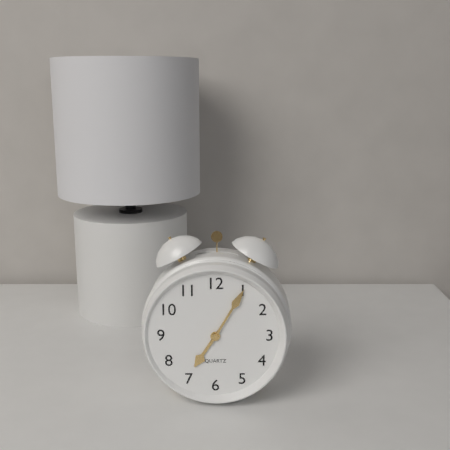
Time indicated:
7h05
